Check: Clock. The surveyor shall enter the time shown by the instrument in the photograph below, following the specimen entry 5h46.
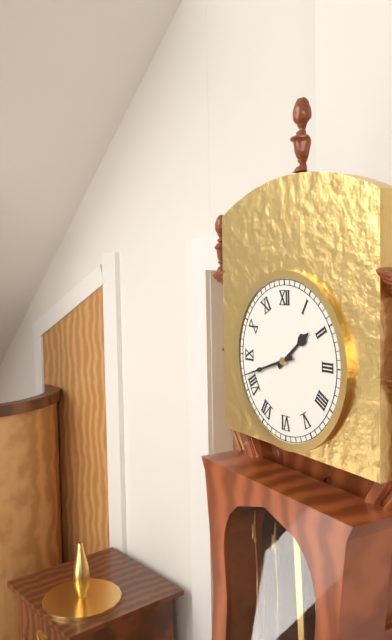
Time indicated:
1h42
